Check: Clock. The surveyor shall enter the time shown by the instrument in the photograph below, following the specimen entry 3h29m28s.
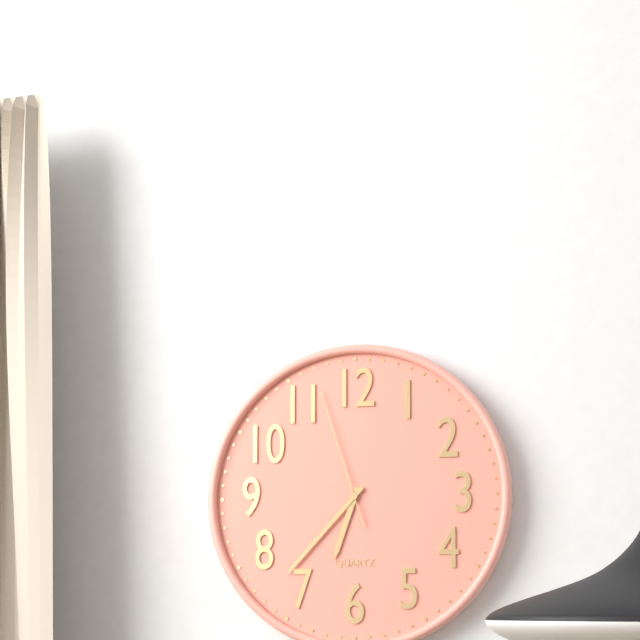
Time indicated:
6h37m57s
